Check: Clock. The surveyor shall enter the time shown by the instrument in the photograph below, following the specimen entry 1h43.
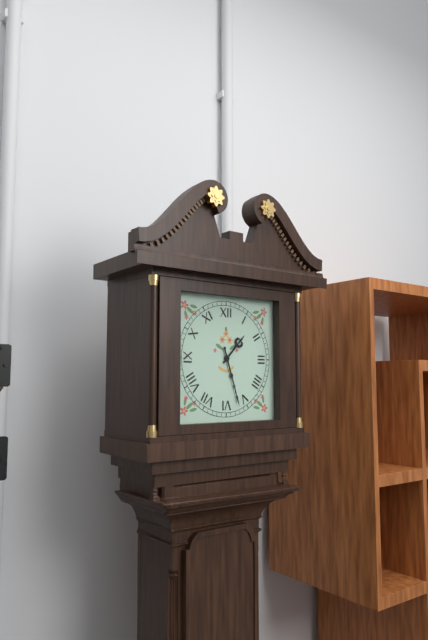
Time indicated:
1h27
